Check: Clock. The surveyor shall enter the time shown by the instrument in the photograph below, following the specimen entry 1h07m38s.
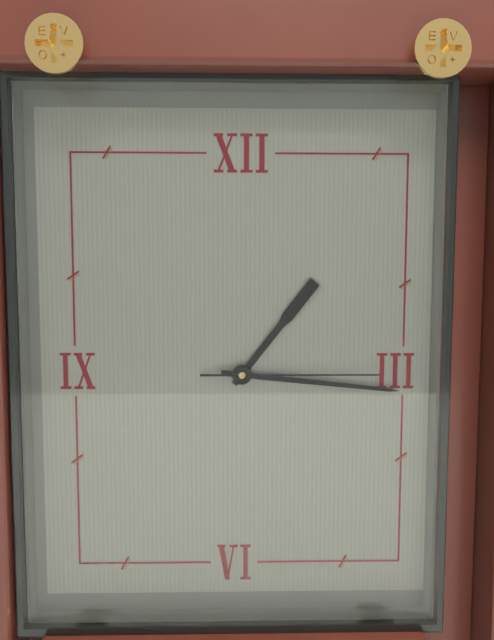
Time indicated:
1h16m15s
